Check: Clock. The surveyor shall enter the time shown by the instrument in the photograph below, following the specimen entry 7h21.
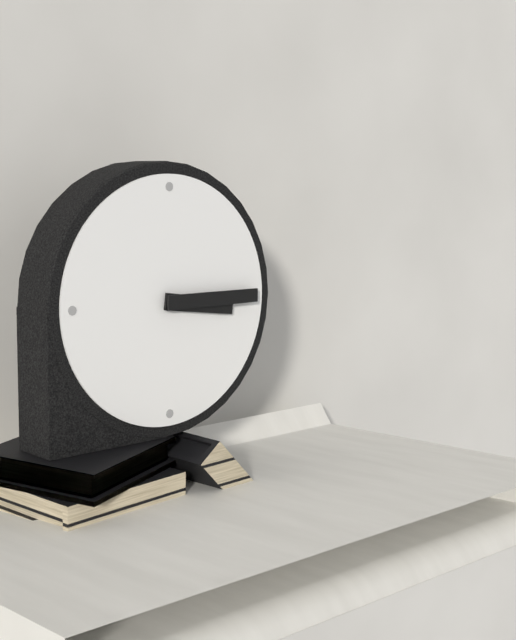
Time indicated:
3h15
